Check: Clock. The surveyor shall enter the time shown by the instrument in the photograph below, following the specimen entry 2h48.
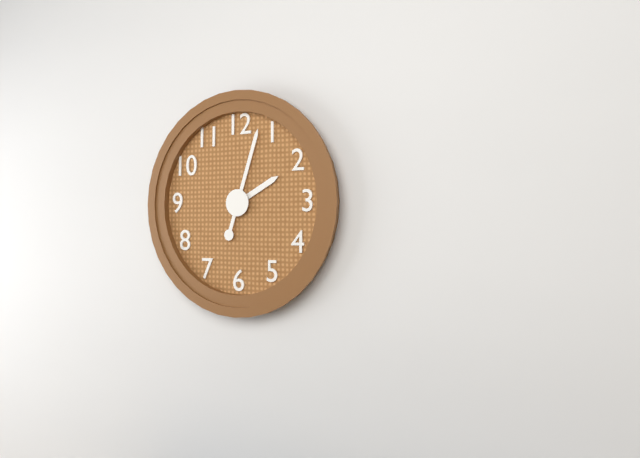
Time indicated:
2h03
